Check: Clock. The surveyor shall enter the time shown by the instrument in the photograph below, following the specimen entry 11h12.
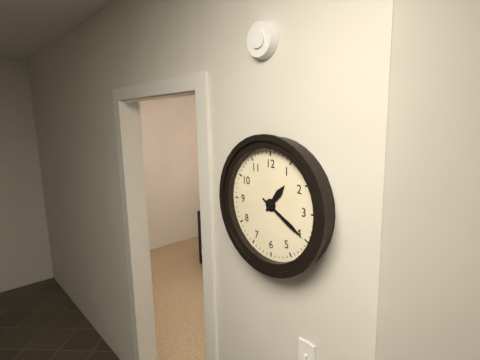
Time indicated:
1h20
